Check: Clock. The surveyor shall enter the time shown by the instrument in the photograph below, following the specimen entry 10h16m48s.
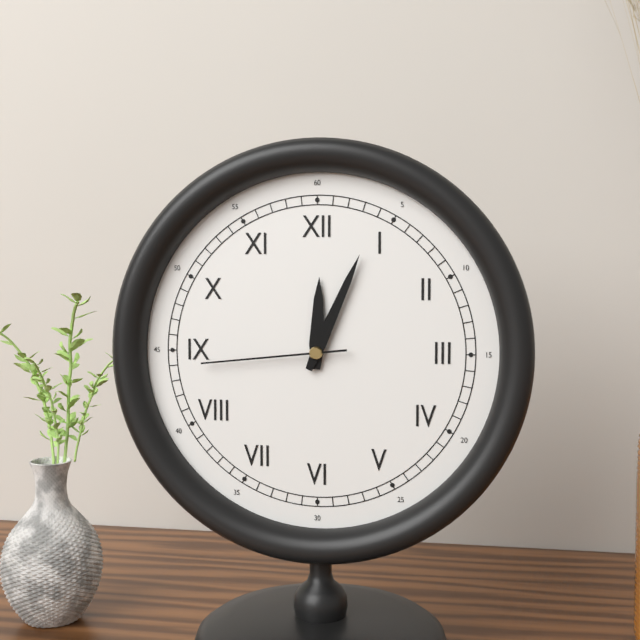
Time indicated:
12h04m44s
